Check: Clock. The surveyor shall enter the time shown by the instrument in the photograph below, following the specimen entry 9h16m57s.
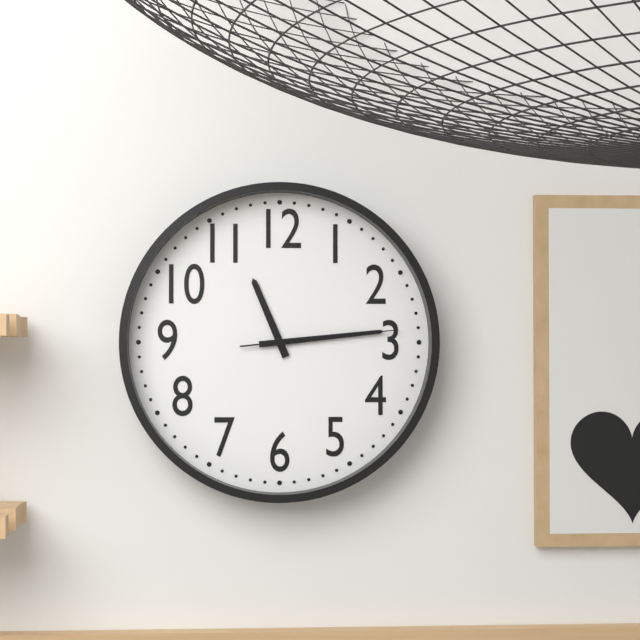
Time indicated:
11h14m14s
